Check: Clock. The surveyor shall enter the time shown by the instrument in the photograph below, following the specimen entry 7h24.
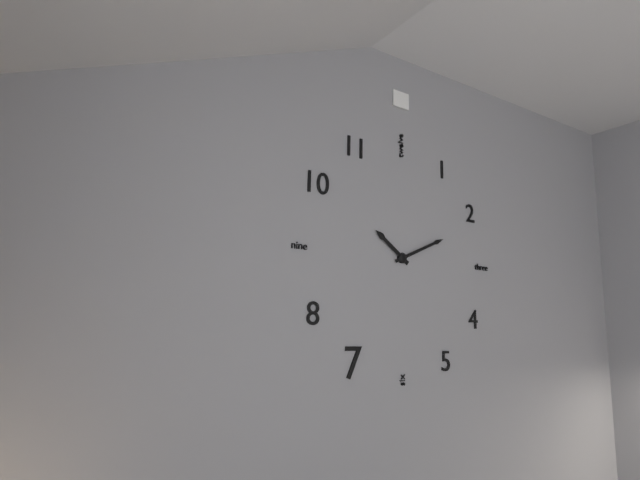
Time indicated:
10h11
